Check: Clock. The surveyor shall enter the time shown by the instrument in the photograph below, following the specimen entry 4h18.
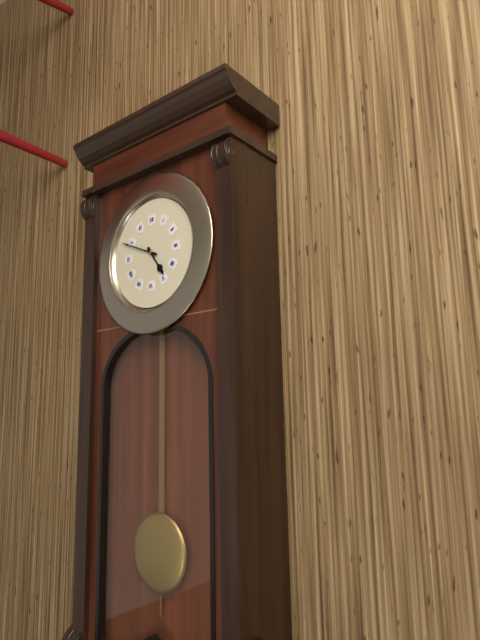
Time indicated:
4h49
